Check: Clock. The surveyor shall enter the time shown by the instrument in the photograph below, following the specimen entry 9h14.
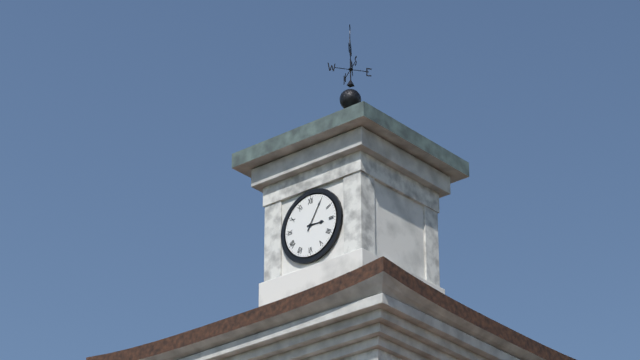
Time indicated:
3h05
